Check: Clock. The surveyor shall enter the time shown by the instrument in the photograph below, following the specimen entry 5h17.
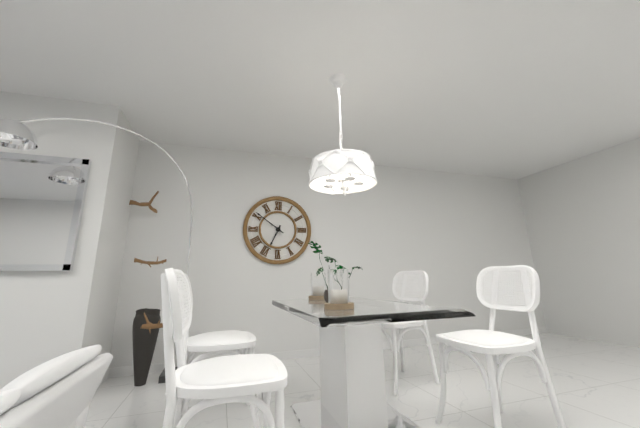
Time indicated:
6h51
